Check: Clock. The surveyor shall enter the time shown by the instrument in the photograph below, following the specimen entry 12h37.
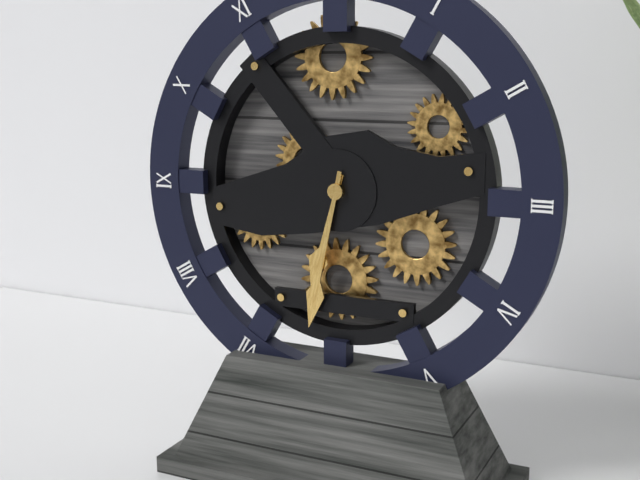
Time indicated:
6h32
